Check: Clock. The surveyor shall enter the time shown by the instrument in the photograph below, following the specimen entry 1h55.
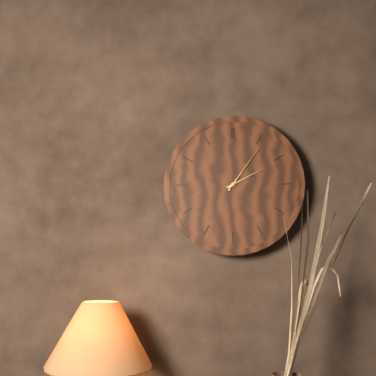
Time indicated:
2h06
